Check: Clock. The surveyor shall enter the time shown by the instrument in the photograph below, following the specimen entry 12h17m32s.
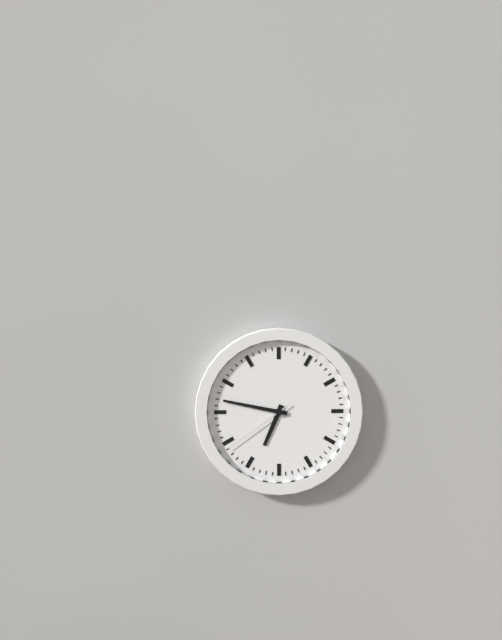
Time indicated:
6h47m39s
